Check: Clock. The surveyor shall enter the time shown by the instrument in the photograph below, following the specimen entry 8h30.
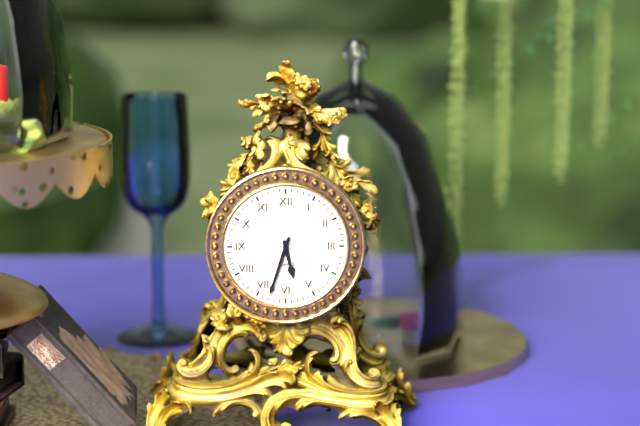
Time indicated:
5h33
